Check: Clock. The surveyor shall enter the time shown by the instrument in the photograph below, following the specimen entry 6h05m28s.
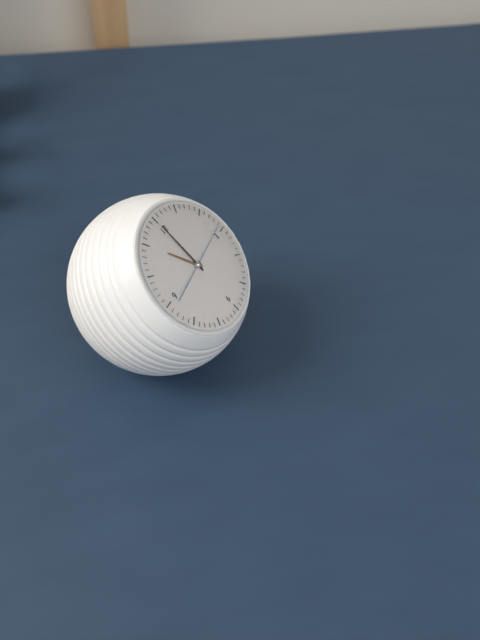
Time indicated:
11h00m14s
